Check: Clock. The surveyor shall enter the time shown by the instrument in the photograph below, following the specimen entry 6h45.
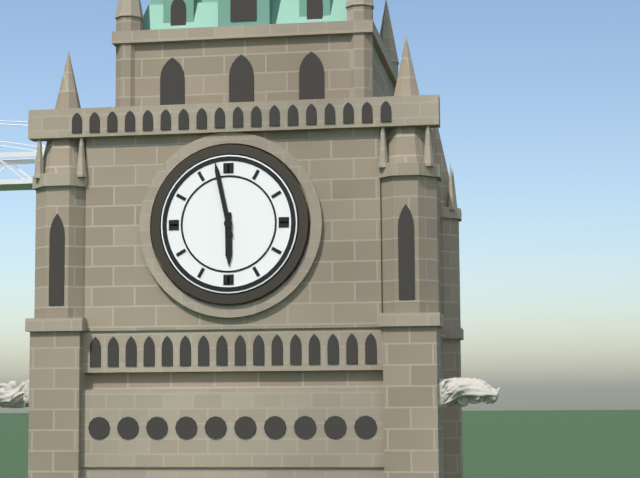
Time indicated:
5h58
